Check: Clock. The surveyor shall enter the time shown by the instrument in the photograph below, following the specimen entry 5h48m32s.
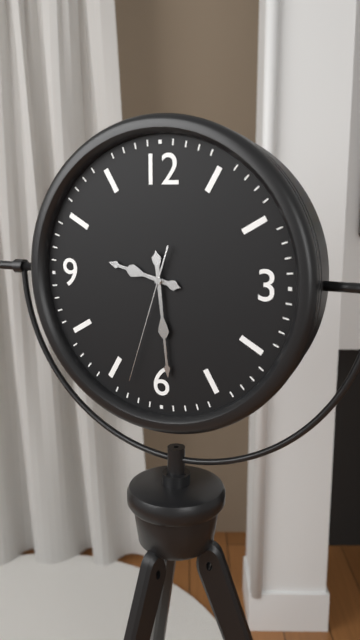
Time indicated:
9h29m33s
